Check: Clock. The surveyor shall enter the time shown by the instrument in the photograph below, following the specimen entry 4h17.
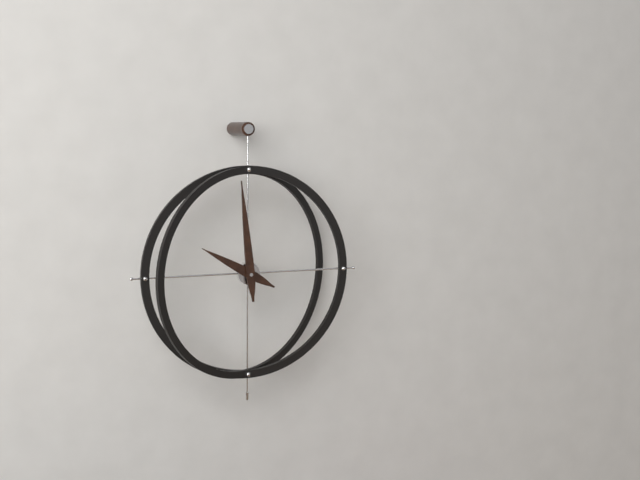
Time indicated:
9h59
